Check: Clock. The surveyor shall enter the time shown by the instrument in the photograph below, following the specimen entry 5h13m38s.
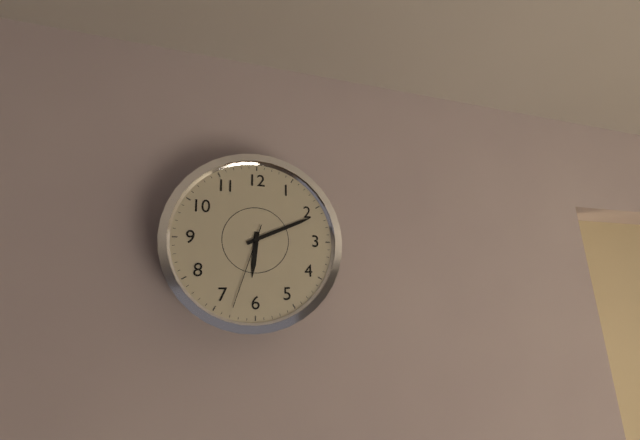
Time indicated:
6h11m33s
